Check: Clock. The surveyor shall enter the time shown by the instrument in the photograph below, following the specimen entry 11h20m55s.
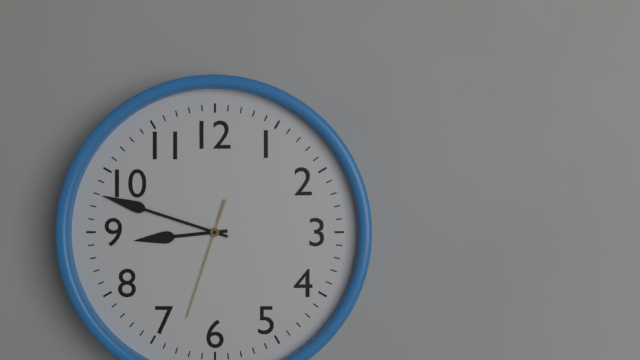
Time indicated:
8h48m33s
